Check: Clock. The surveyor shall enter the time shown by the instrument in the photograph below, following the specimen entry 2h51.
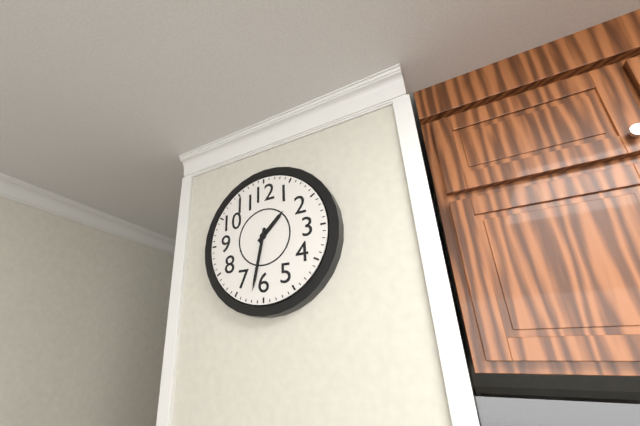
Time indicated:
1h32
